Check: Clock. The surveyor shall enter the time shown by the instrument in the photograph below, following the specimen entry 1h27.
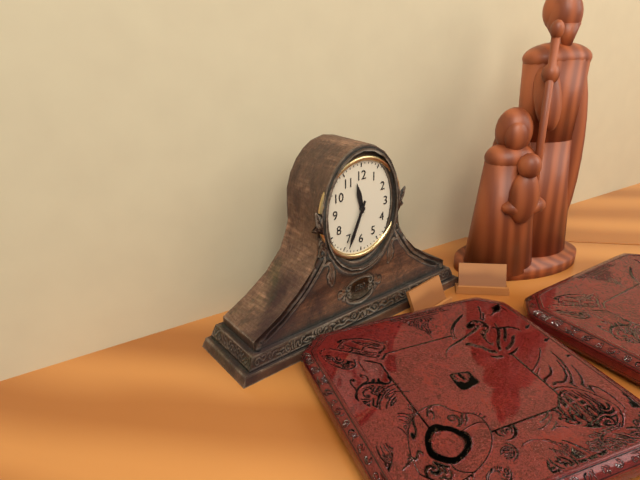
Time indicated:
11h34
